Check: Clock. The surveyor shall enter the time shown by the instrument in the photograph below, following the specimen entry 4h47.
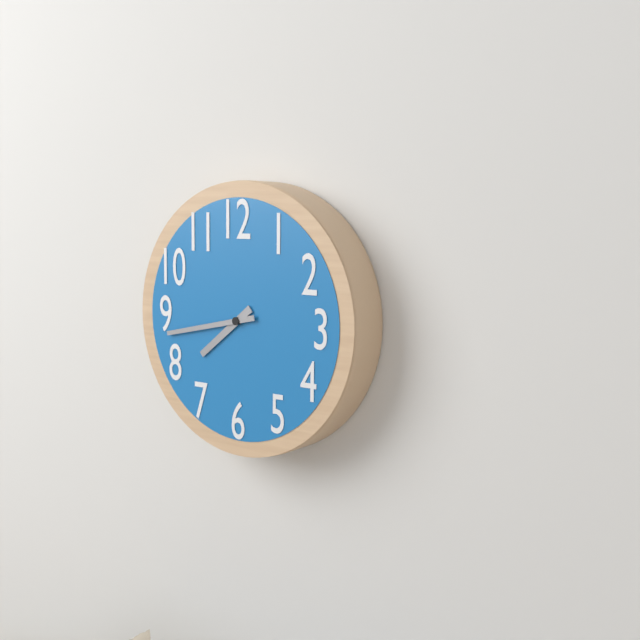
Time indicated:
7h43
